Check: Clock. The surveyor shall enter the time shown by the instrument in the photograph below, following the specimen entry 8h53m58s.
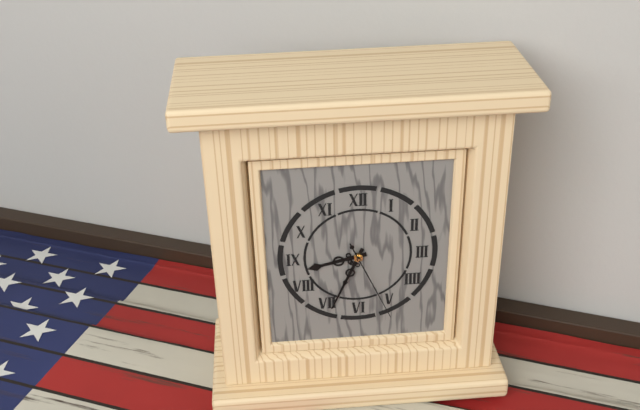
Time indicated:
8h34m26s
